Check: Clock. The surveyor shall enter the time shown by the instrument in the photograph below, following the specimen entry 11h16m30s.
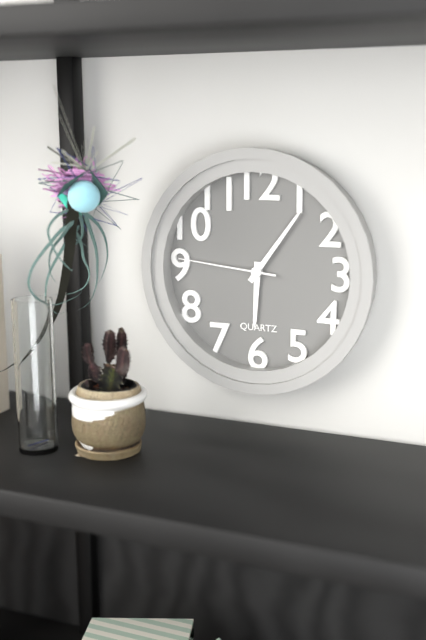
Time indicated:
6h06m46s
